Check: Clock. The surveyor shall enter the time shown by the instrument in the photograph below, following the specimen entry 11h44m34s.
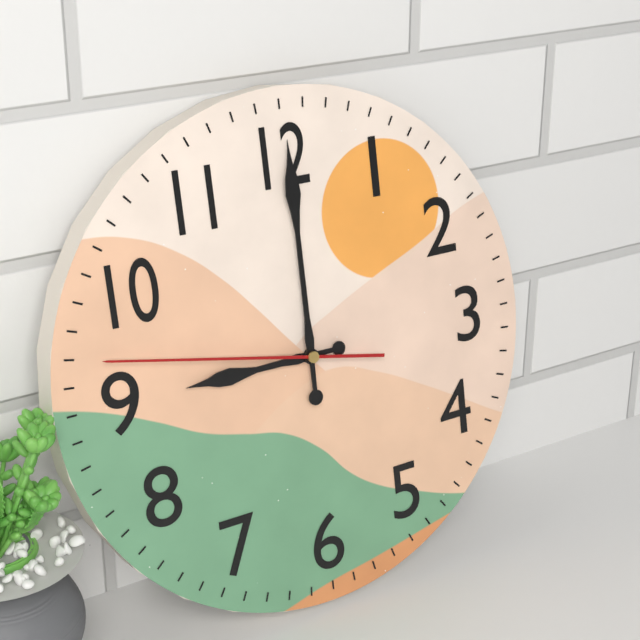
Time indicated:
9h00m47s
